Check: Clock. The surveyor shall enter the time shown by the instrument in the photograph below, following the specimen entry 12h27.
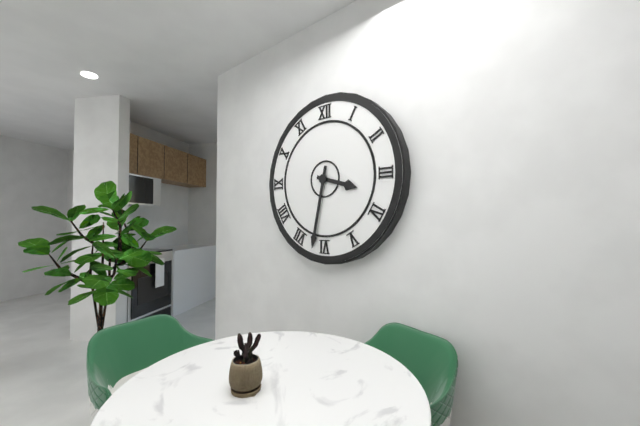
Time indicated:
3h32
